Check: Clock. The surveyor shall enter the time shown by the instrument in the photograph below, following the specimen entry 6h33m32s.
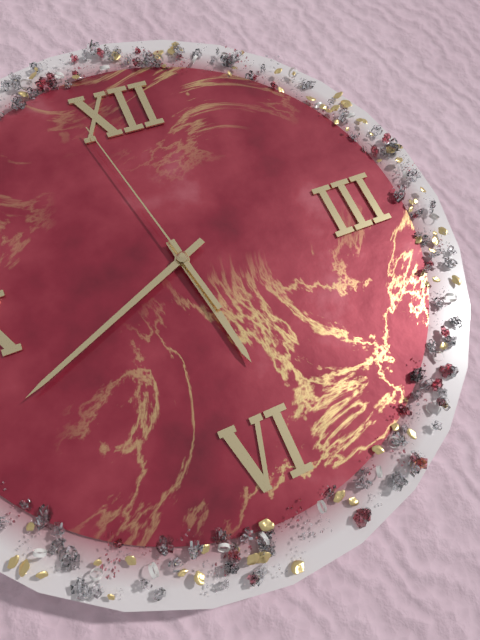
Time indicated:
5h41m58s
